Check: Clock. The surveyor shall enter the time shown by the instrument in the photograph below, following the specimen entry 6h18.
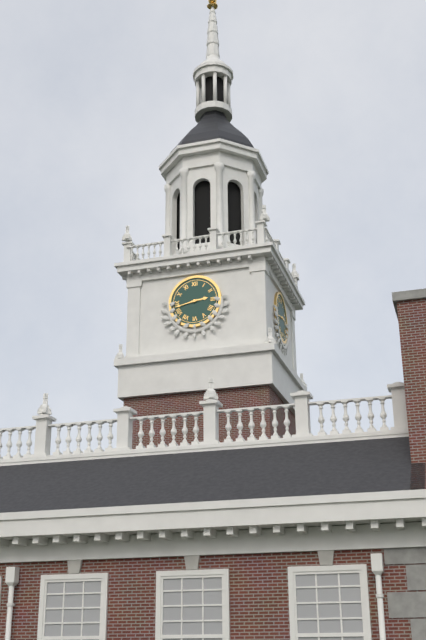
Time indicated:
2h43
